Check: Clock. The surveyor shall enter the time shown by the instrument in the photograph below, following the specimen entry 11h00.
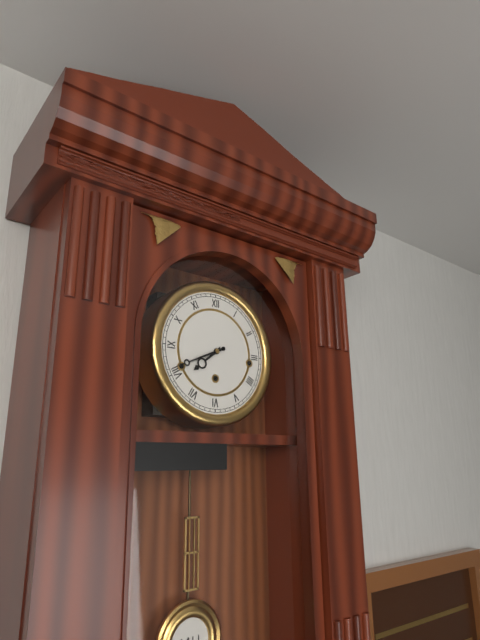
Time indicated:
7h41
